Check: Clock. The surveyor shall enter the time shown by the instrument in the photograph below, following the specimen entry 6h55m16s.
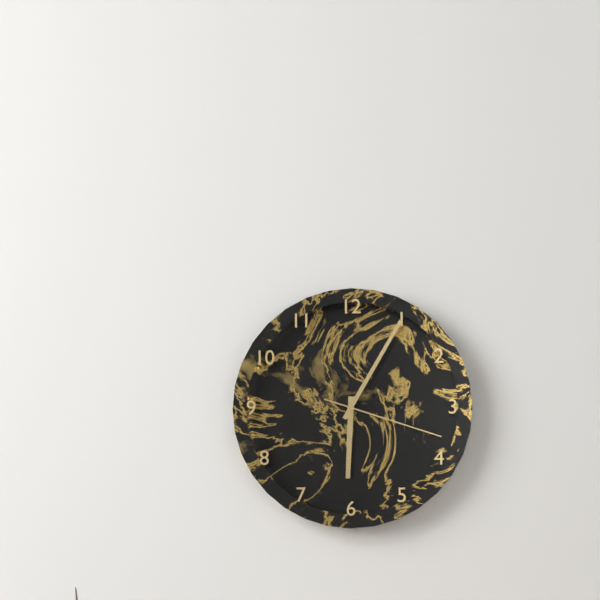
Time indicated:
6h05m18s
